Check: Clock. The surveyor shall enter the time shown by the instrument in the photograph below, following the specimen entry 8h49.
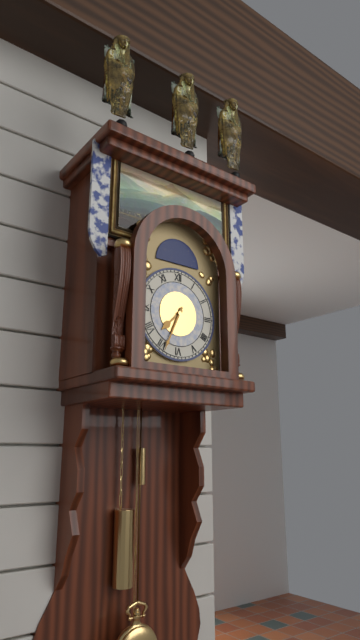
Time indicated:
7h34
